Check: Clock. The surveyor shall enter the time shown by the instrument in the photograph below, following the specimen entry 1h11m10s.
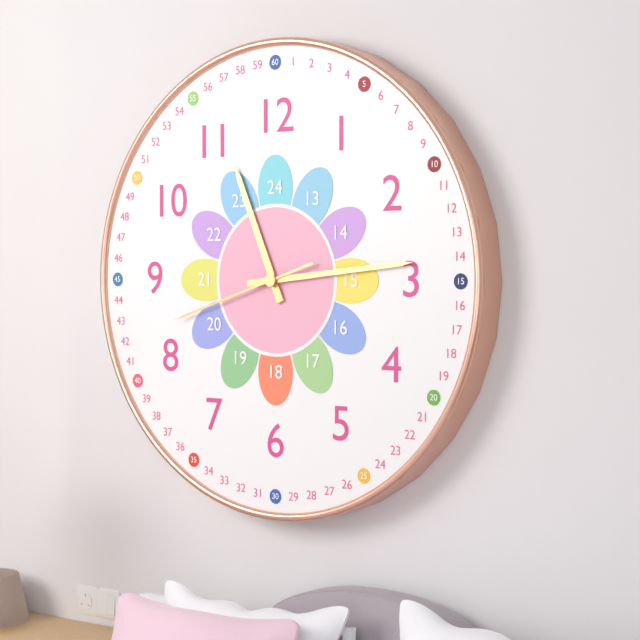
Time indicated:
11h14m42s
